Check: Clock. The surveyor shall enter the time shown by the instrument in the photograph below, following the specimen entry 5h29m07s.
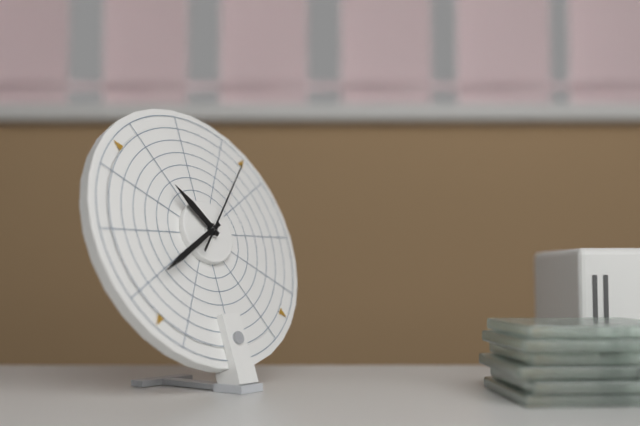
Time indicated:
10h40m07s
